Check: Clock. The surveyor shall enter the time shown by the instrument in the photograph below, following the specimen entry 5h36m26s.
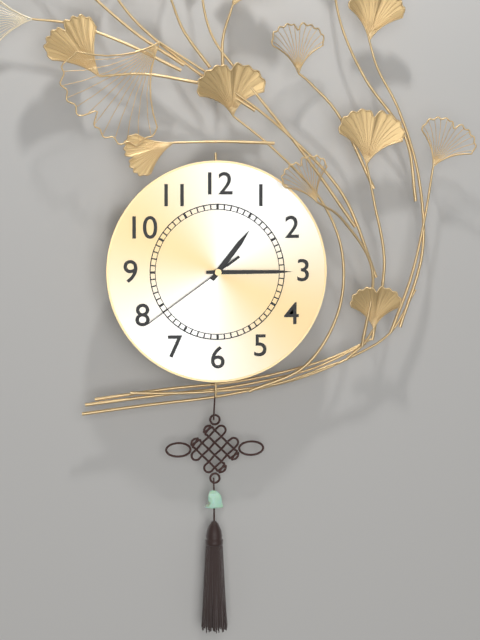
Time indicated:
1h15m39s
